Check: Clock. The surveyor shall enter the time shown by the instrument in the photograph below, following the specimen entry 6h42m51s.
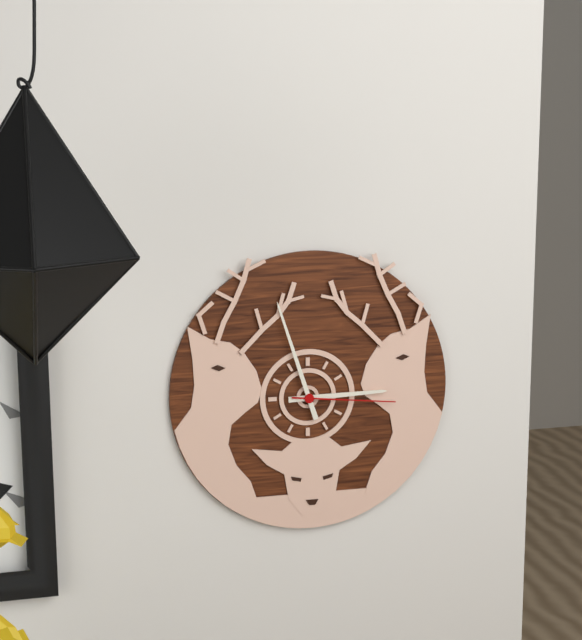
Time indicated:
2h57m16s
